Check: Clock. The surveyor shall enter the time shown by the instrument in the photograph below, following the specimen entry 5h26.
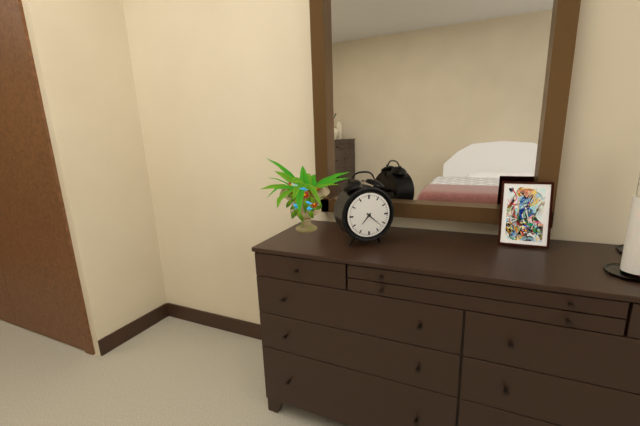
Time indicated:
7h22
